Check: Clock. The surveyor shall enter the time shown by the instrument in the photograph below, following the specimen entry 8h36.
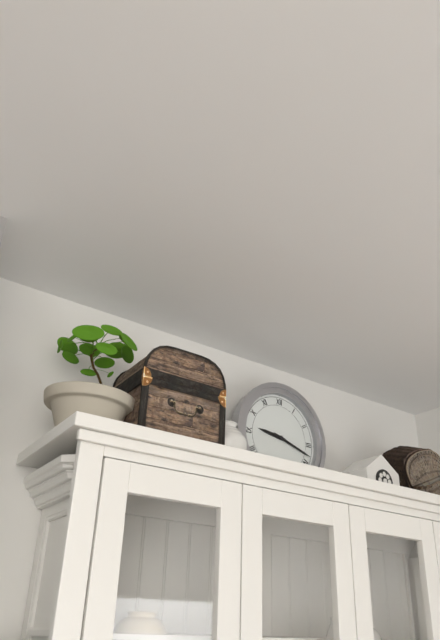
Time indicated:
9h18
